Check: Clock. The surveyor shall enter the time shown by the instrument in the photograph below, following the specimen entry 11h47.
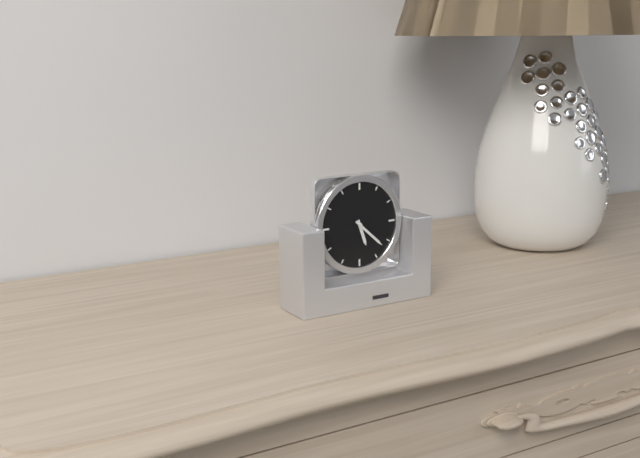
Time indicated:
5h22
